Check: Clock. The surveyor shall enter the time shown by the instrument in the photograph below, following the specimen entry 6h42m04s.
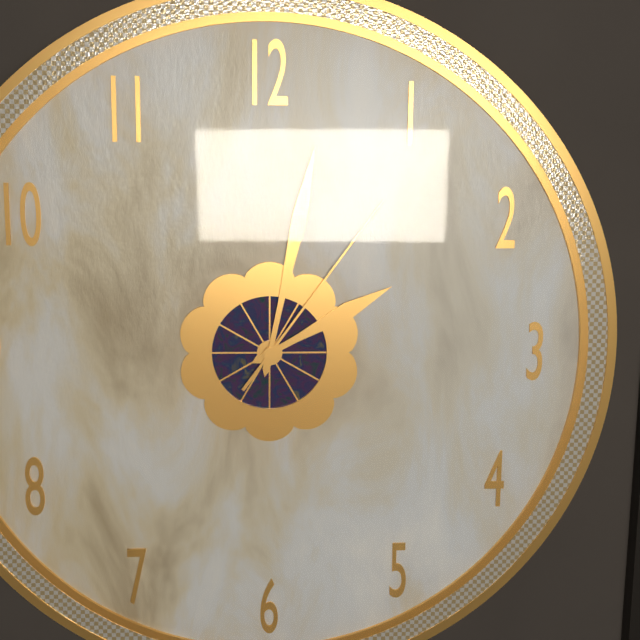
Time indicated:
2h02m06s
